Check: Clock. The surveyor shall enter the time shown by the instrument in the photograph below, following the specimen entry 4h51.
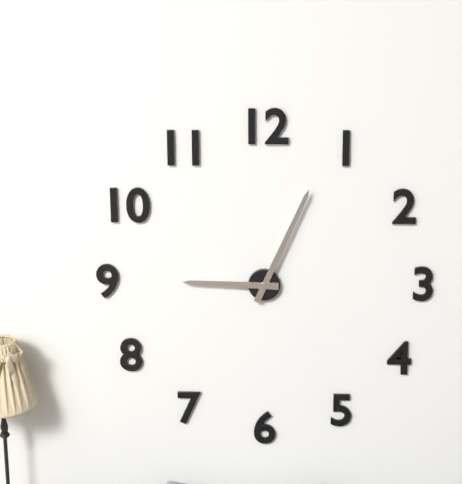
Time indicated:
9h04
